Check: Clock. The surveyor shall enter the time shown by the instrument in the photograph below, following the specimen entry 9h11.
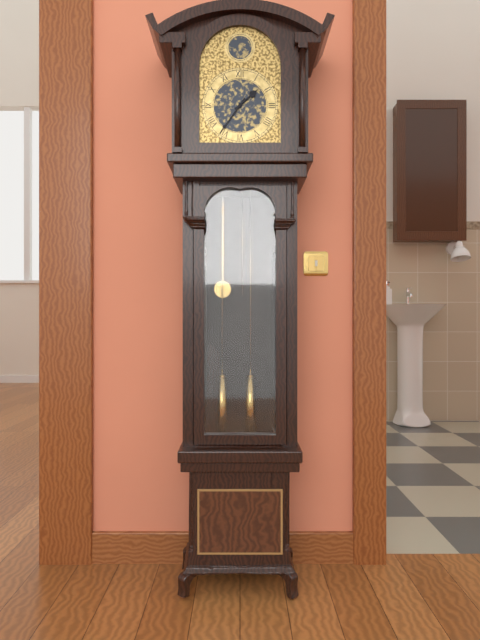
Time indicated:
1h36
